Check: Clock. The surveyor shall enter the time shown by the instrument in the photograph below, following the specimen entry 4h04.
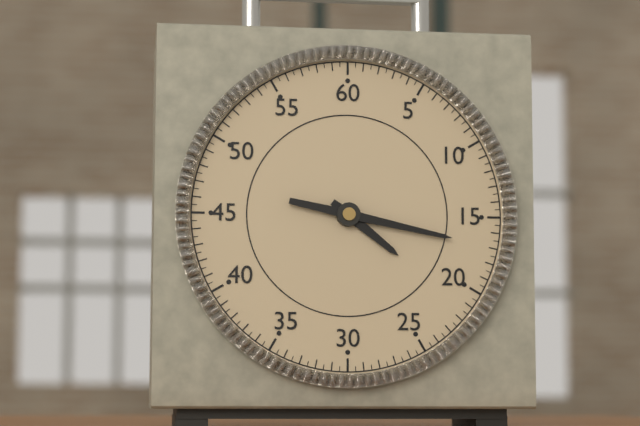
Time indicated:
4h17
